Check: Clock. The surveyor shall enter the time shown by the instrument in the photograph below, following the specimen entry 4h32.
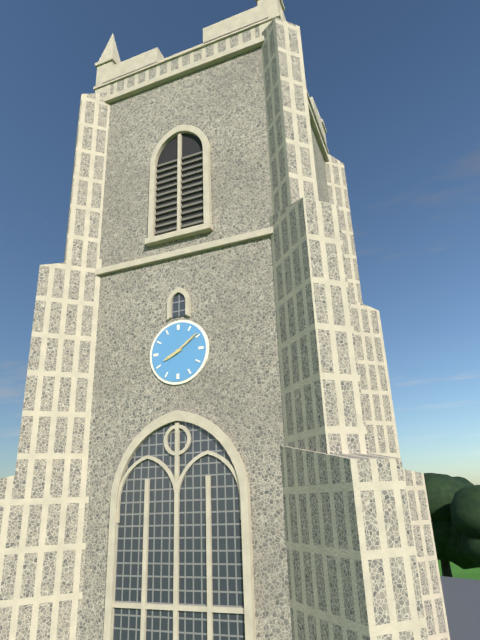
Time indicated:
8h09
